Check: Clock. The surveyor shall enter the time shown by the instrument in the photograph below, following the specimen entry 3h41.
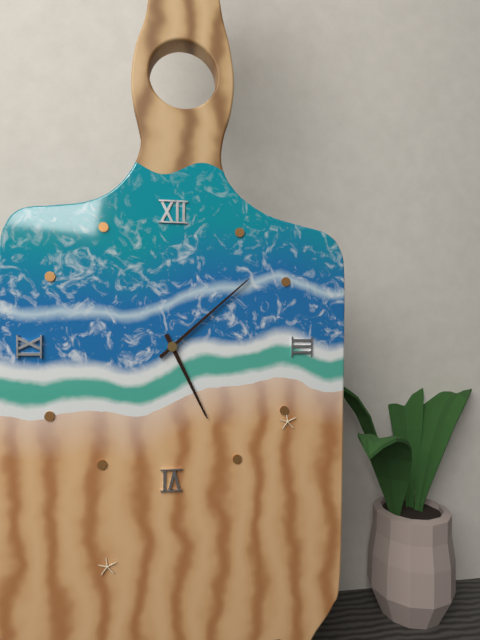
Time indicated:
5h08
